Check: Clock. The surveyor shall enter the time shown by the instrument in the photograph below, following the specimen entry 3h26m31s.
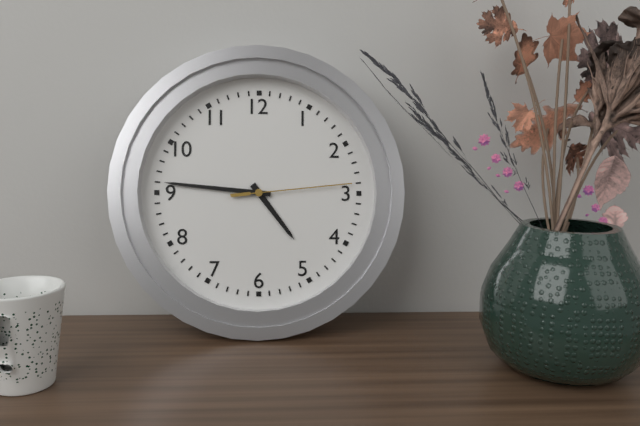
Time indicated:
4h46m14s
